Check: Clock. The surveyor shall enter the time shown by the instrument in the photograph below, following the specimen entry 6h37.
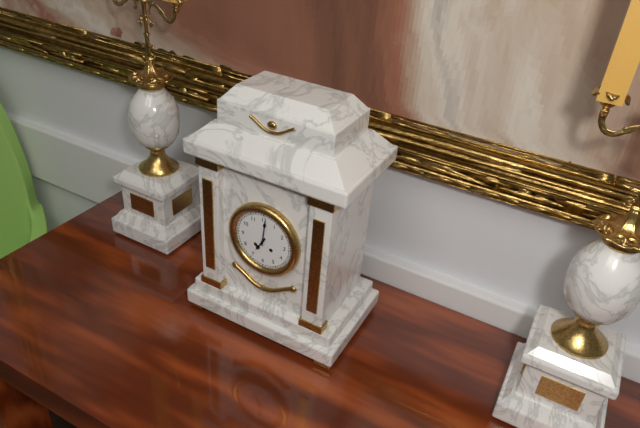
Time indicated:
7h01
